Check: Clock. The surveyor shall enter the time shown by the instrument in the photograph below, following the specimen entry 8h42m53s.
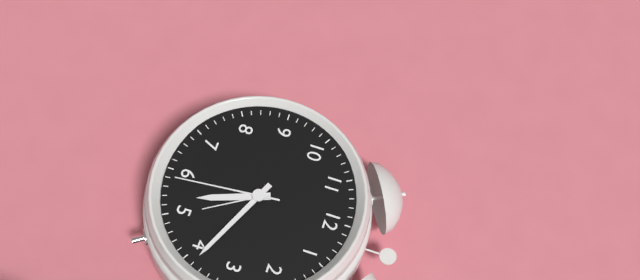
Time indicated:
5h19m29s
